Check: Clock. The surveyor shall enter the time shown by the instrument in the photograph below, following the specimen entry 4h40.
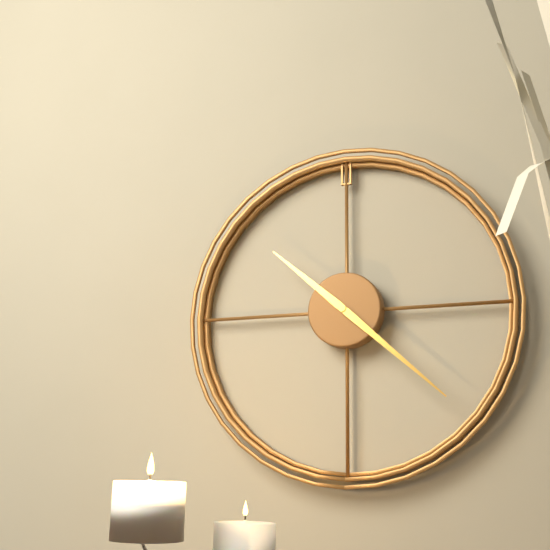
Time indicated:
10h22
